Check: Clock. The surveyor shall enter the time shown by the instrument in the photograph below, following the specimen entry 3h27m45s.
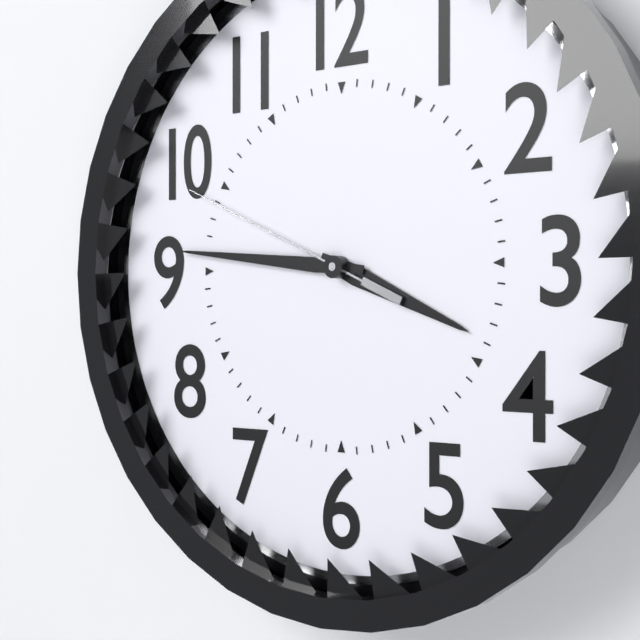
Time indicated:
3h46m49s
